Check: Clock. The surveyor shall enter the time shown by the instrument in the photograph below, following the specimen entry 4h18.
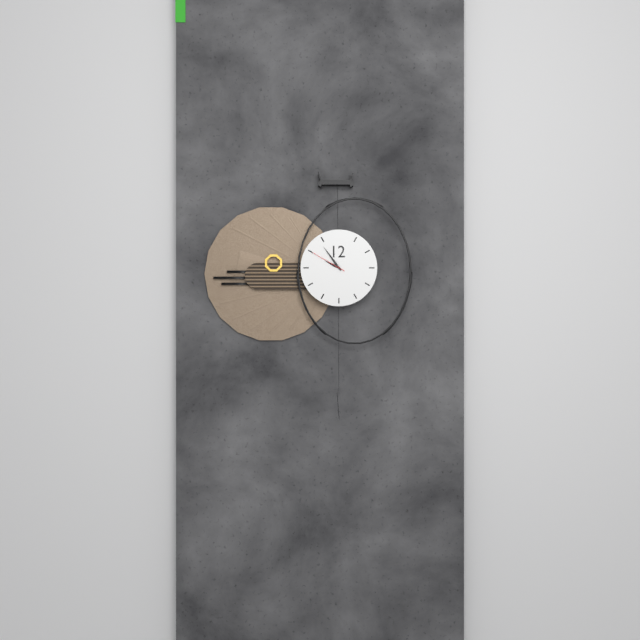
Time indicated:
9h54
